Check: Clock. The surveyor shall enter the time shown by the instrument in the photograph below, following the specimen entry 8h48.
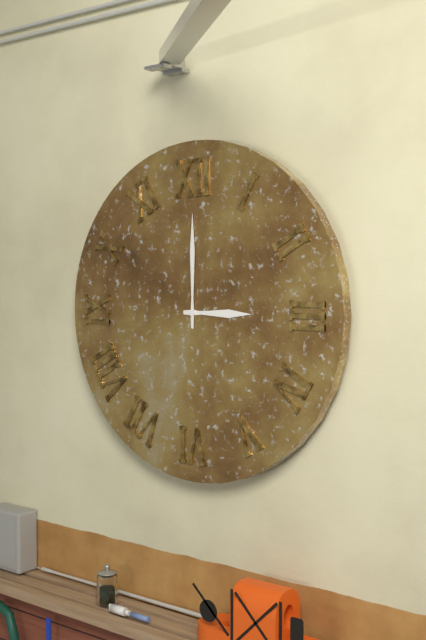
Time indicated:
3h00
